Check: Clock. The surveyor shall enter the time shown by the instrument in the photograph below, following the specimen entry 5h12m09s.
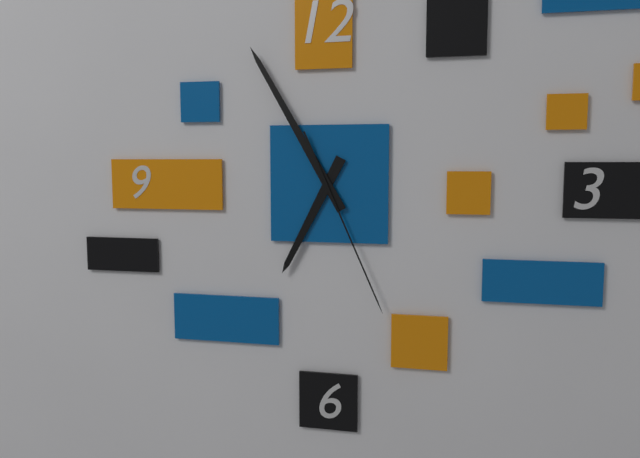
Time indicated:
6h55m26s
